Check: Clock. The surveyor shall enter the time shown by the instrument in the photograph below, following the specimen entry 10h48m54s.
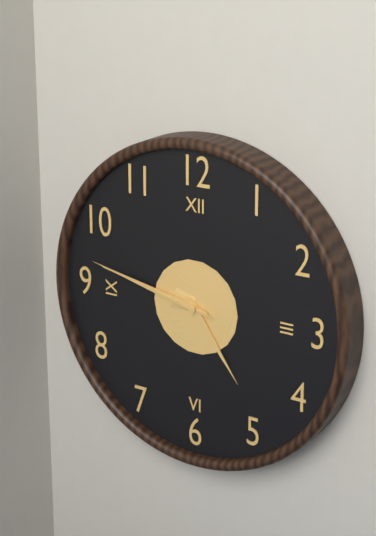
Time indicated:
4h47m47s
